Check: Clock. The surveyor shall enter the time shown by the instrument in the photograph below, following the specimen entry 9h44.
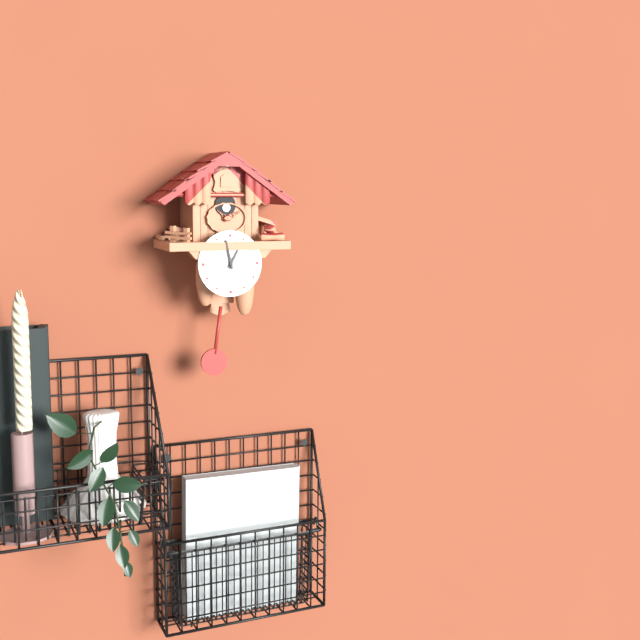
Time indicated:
12h58
